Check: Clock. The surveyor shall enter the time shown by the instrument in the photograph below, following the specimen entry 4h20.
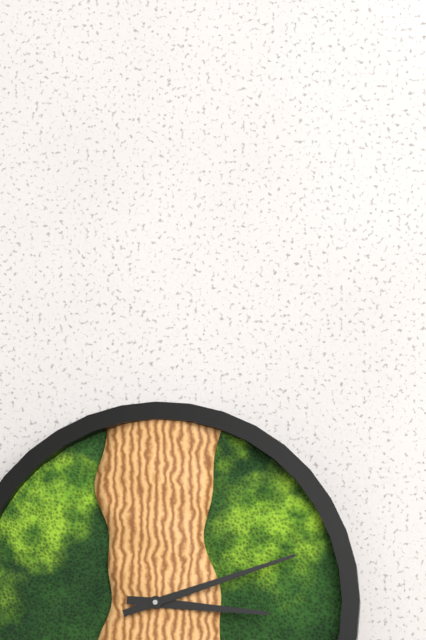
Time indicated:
3h12
